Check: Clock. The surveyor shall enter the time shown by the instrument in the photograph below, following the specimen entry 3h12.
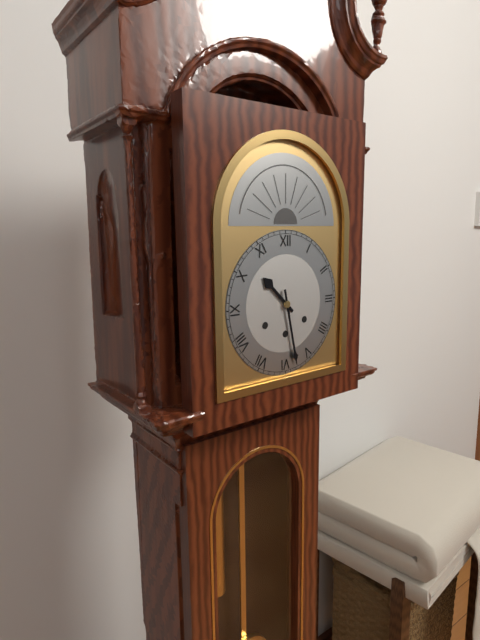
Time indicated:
10h28
